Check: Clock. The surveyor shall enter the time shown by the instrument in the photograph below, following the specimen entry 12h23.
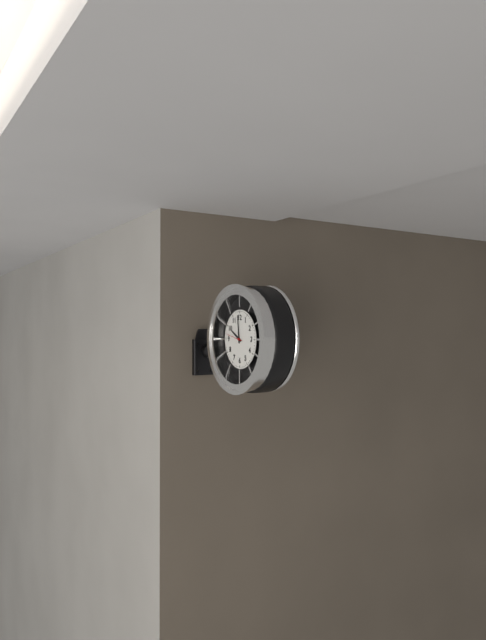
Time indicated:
9h59
